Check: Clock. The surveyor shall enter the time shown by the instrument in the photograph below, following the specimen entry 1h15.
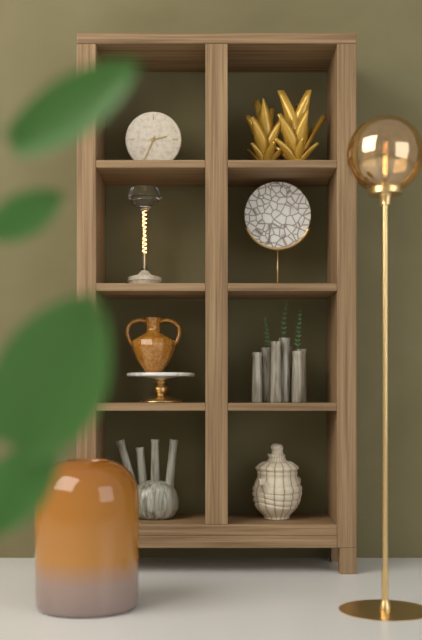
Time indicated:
2h34
